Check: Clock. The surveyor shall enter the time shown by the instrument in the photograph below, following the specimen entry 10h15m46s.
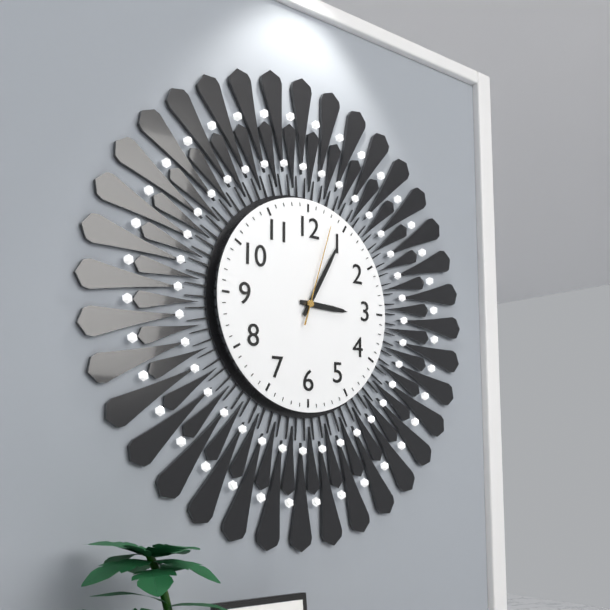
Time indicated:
3h05m03s
